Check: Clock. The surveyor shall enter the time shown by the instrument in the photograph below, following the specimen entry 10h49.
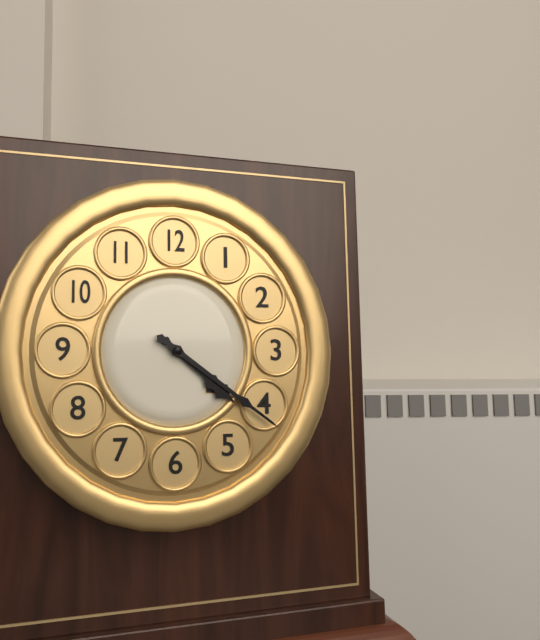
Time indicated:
4h21
